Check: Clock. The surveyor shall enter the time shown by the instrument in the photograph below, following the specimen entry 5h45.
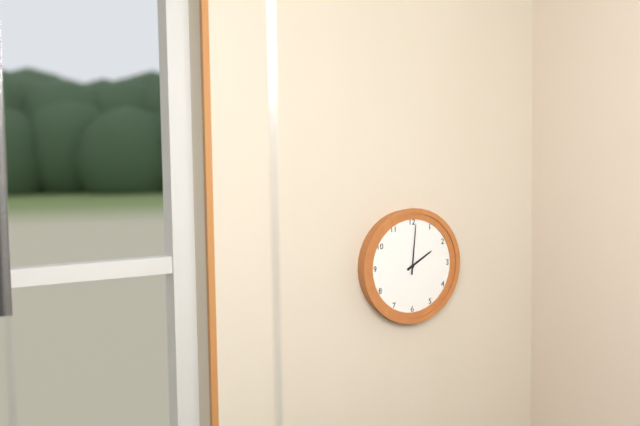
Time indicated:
2h01
